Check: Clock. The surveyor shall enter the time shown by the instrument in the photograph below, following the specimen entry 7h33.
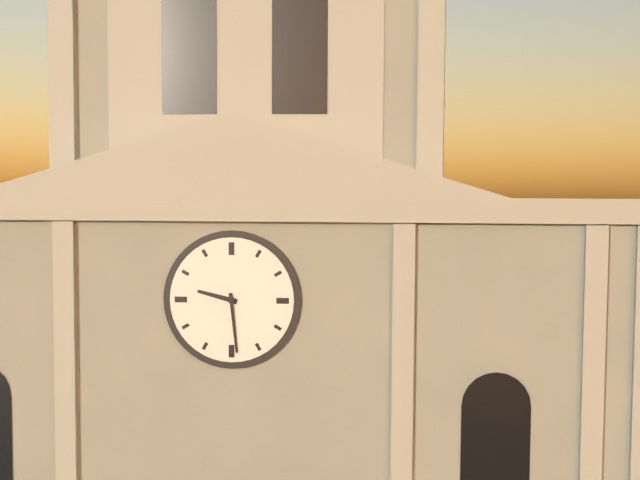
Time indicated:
9h29
